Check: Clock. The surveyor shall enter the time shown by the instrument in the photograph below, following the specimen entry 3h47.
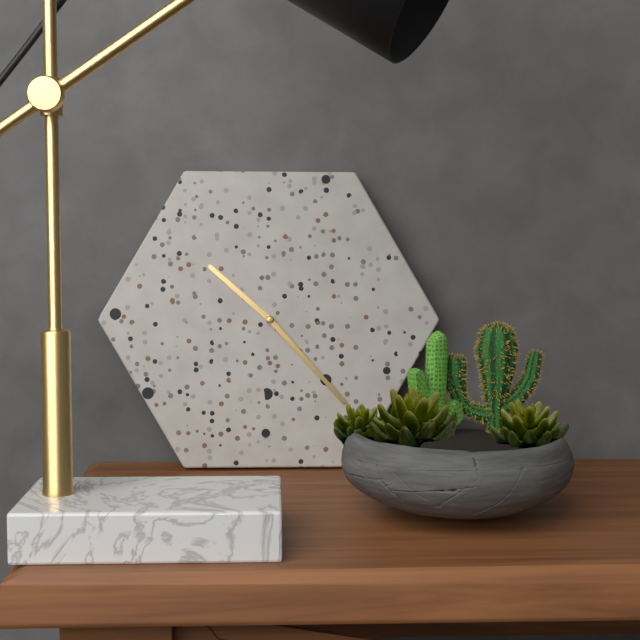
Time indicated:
10h23
